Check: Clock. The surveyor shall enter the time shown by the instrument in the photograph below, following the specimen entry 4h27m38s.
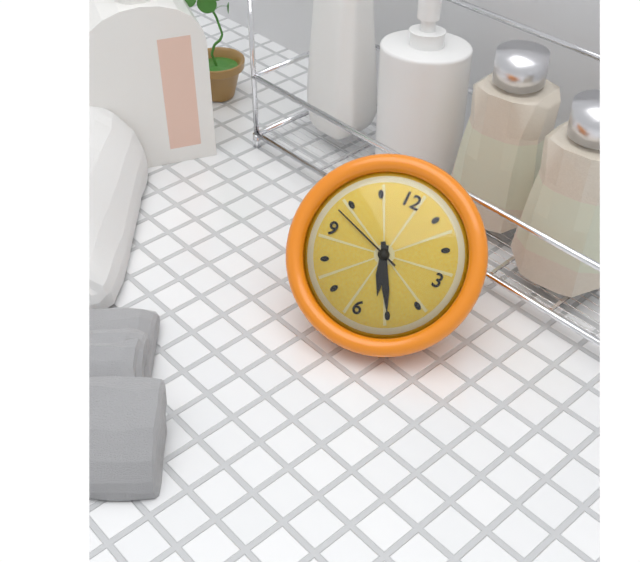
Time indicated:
5h25m48s
